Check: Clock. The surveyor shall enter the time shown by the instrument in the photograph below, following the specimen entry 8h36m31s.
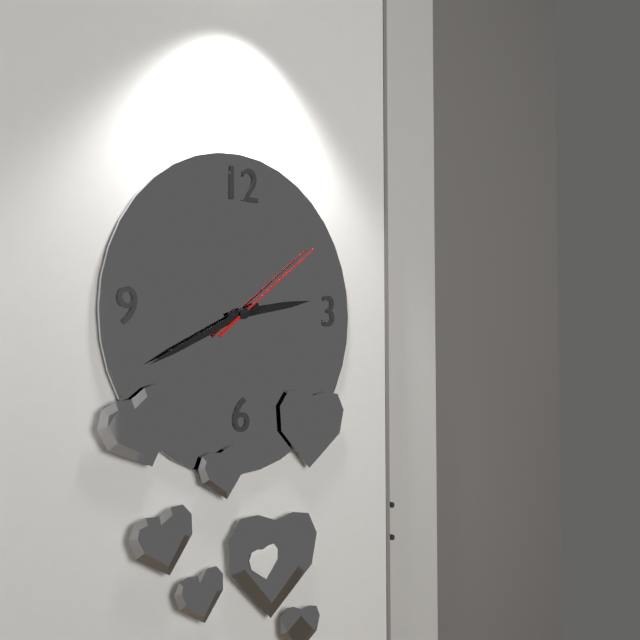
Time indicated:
2h41m09s
